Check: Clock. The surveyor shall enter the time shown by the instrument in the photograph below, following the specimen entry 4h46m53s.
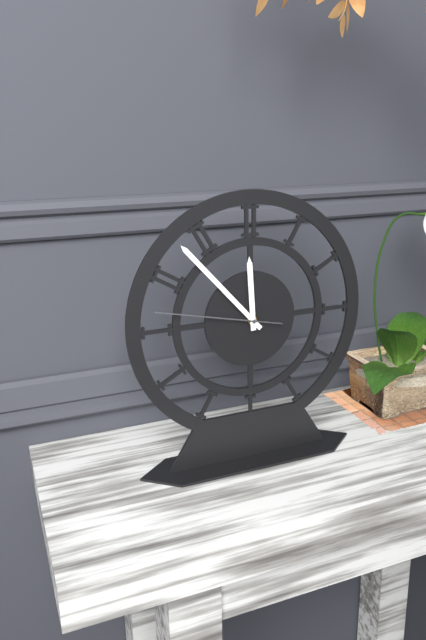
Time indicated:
11h53m47s
